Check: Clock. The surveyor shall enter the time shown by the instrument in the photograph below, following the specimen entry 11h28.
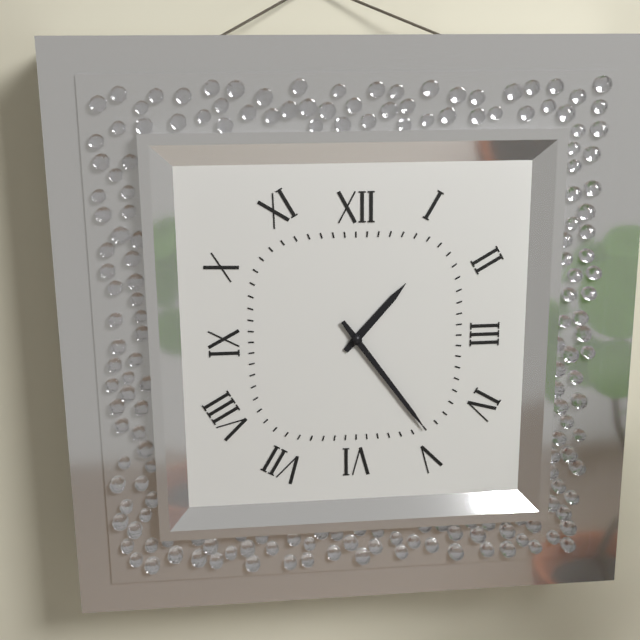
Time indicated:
1h24
